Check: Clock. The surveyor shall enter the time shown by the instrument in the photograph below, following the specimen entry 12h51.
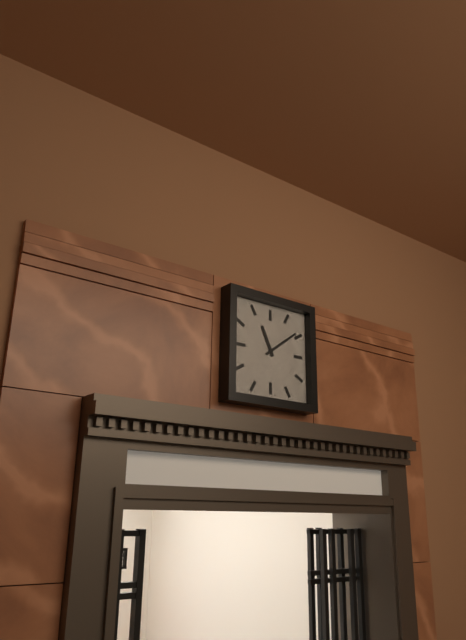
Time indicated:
11h09
